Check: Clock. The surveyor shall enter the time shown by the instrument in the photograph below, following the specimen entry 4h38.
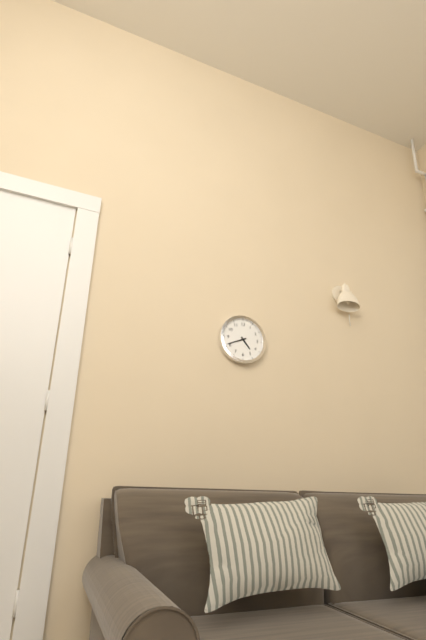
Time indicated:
4h41
